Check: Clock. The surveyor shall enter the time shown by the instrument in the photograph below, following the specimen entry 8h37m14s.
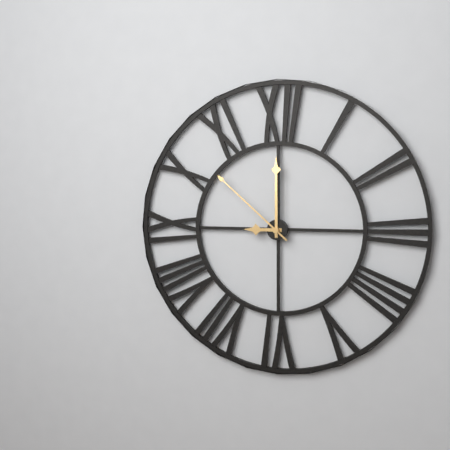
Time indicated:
9h00m52s
